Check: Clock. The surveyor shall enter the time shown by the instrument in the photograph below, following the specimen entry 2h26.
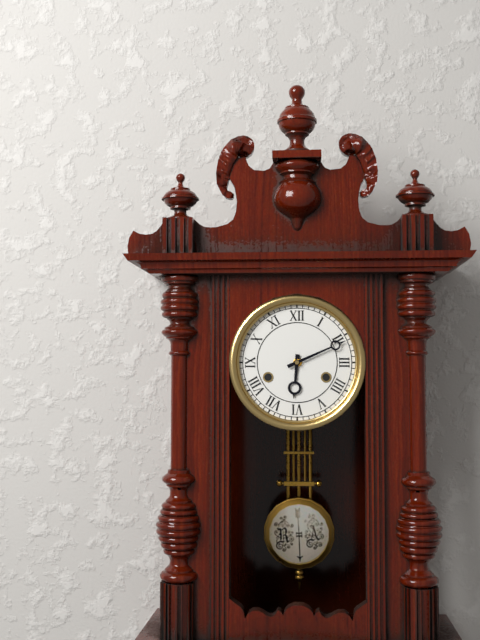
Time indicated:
6h11
